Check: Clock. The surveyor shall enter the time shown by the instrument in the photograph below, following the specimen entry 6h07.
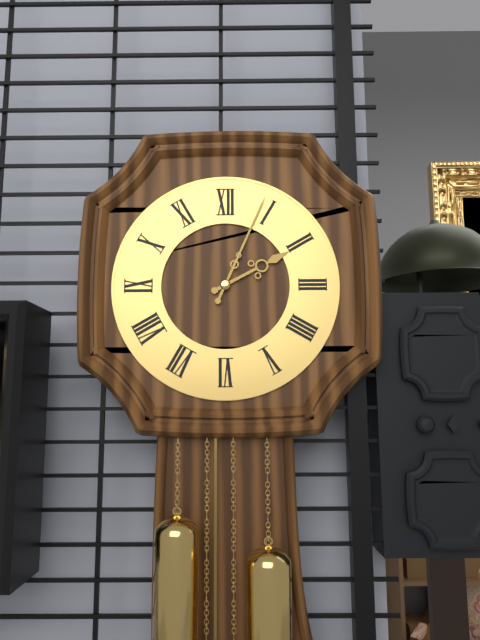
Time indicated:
2h04
